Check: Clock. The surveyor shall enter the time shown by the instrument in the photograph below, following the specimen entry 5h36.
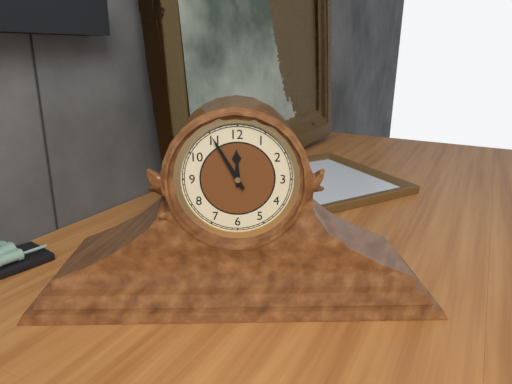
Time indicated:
11h55
